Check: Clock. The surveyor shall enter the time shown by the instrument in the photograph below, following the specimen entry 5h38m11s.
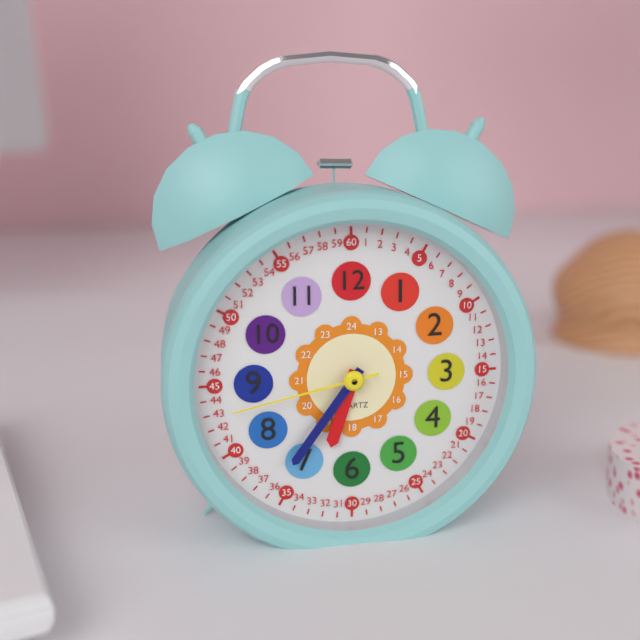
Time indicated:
6h36m43s
